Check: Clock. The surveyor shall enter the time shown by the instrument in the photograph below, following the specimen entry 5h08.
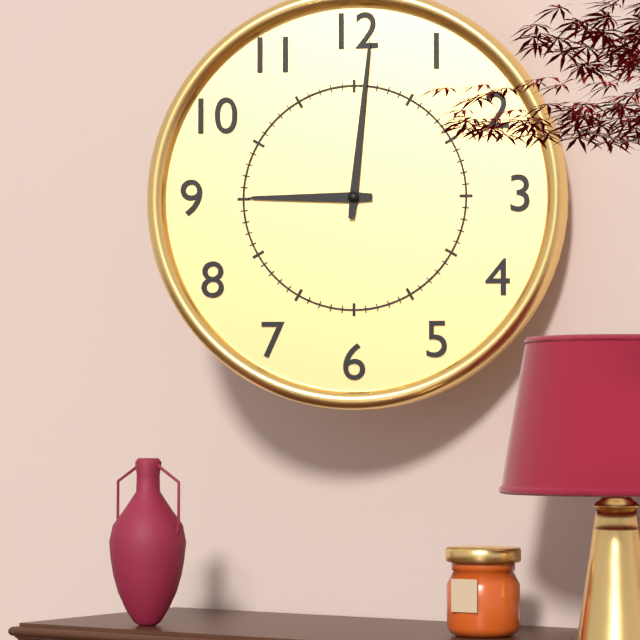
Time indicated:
9h01
